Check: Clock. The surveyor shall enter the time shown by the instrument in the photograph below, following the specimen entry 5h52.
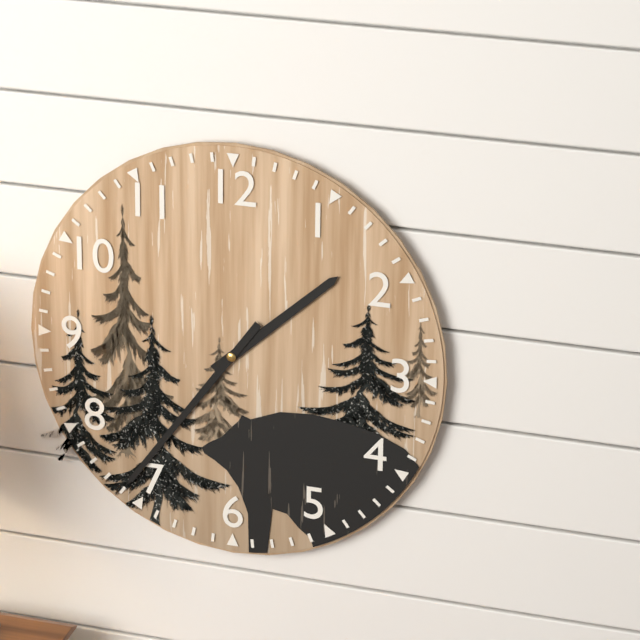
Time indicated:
1h36
